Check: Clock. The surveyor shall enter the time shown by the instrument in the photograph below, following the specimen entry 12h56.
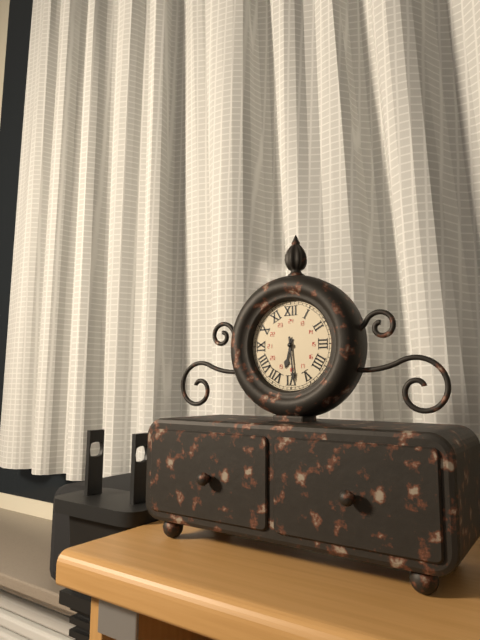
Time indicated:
6h29
